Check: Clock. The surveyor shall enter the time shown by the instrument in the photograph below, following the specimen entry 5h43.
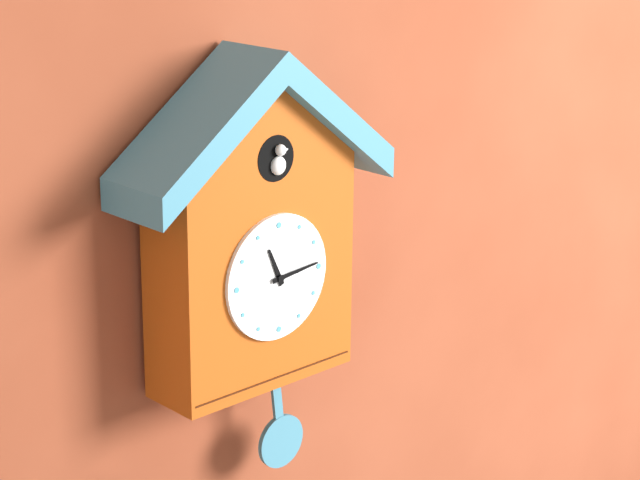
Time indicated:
11h14
